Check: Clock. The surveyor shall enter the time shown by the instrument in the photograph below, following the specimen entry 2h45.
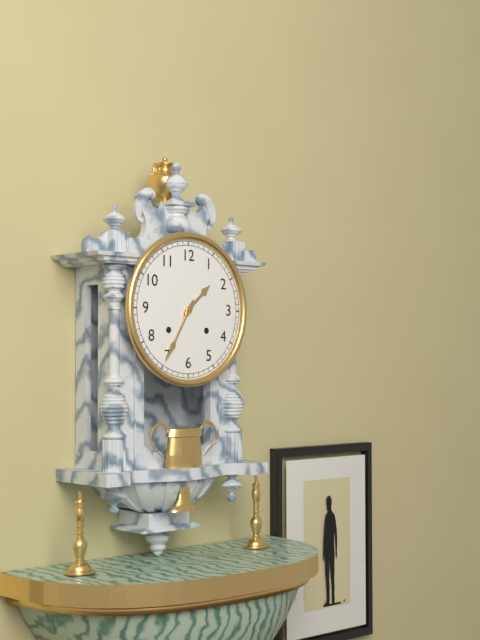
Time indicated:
1h35
